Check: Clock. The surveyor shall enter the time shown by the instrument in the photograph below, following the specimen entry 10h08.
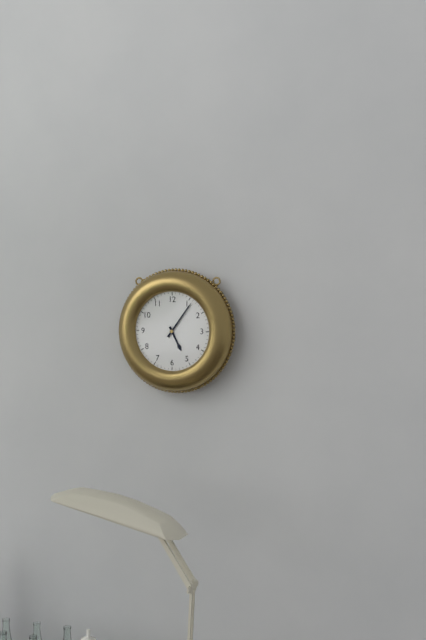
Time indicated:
5h06
